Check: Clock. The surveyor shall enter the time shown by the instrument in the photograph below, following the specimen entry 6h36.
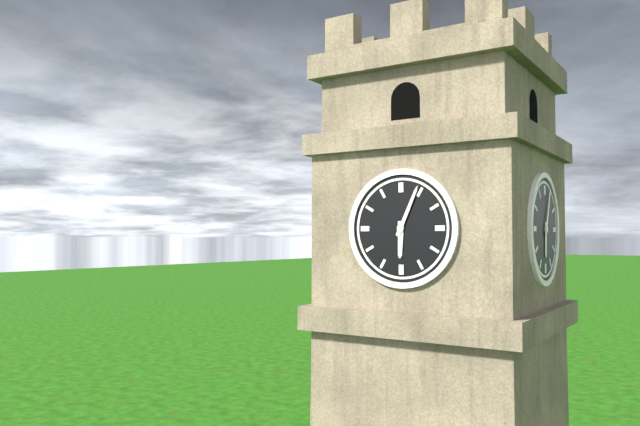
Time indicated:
6h04
